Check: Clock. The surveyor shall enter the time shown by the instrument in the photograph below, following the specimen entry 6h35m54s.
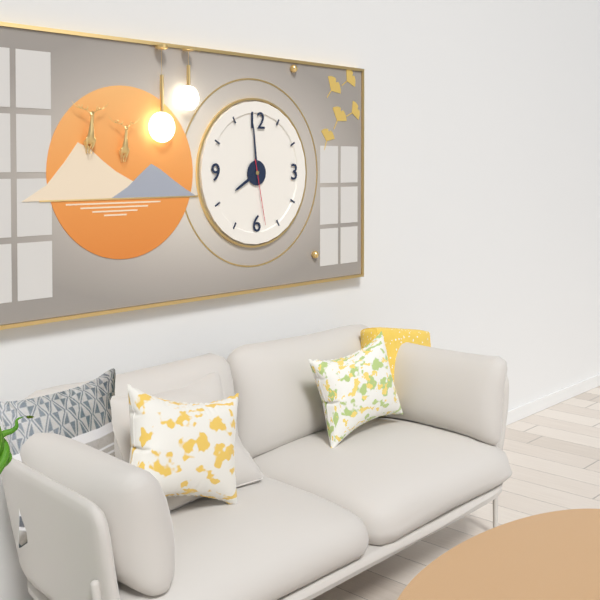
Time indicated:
7h59m28s
